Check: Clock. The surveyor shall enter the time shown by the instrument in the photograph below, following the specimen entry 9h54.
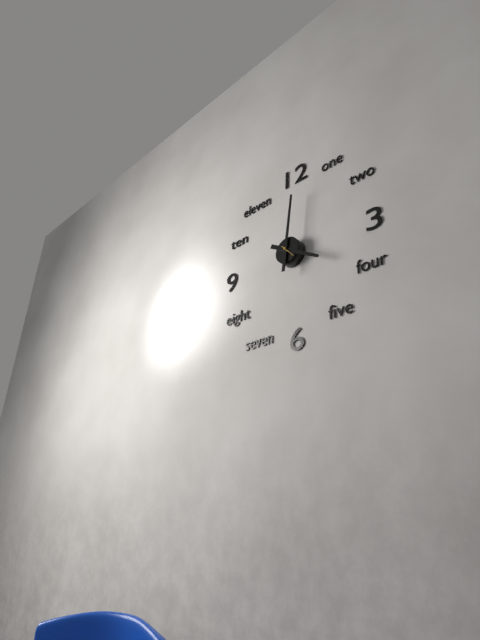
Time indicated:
4h01
